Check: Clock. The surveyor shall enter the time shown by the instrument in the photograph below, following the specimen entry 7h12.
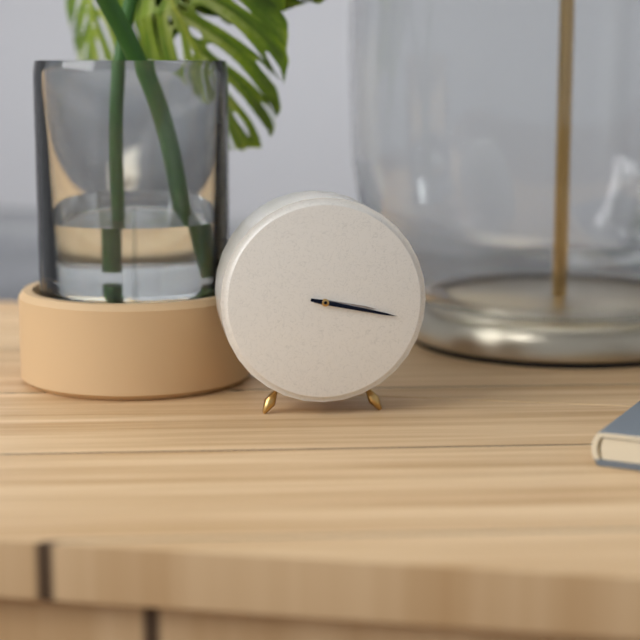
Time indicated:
3h17
